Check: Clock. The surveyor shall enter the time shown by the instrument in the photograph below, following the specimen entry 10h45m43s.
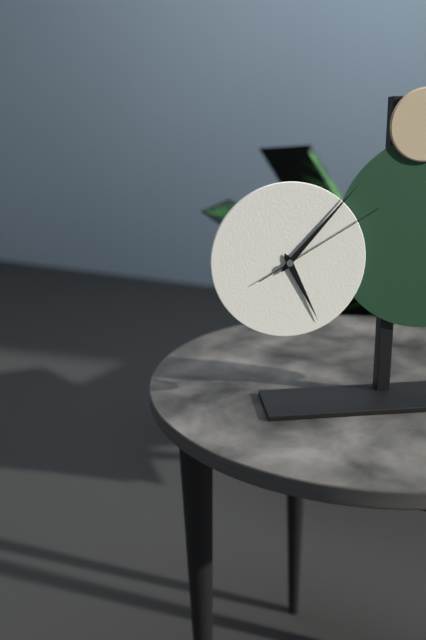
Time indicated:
5h07m10s
